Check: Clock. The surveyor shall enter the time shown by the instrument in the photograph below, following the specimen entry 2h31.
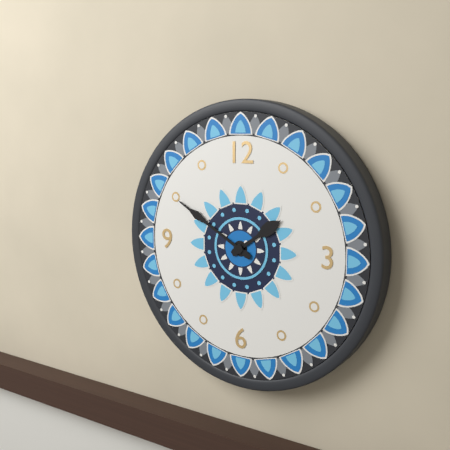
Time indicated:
1h50
